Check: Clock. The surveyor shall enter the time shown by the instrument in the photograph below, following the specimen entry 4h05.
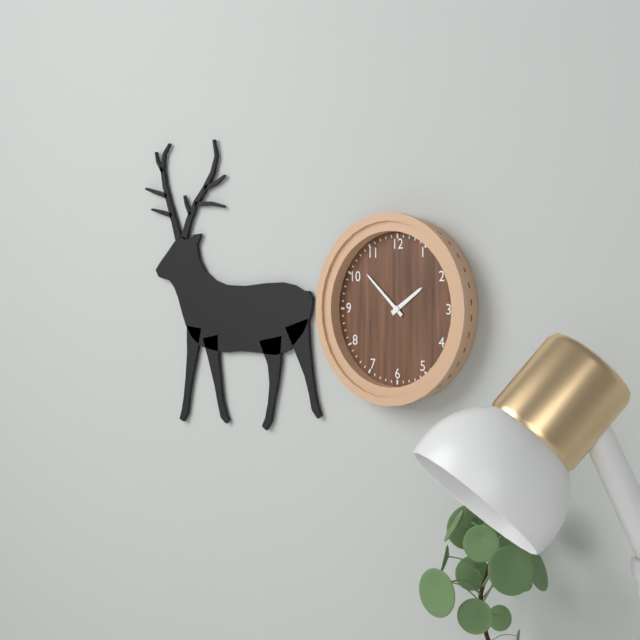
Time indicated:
1h52
